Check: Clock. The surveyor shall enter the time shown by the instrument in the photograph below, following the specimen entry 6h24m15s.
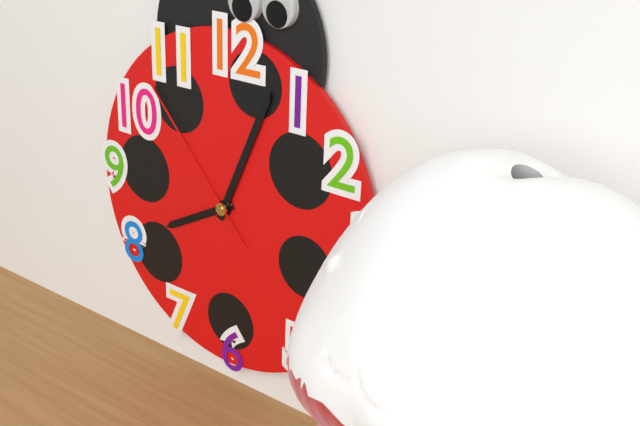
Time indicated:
8h04m53s
